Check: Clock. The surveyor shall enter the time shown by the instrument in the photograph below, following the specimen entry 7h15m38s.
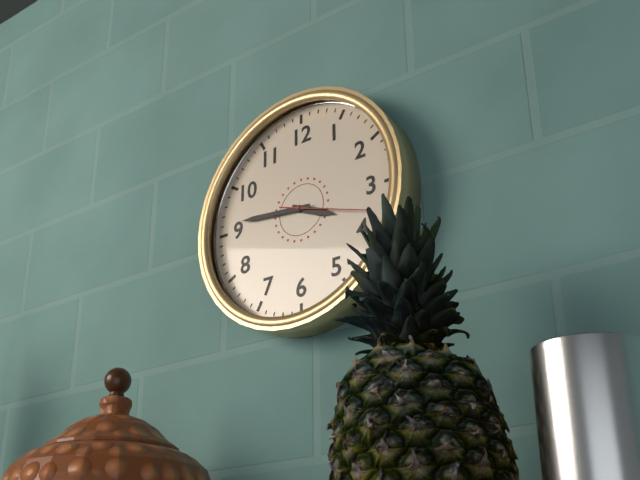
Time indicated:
3h46m18s
